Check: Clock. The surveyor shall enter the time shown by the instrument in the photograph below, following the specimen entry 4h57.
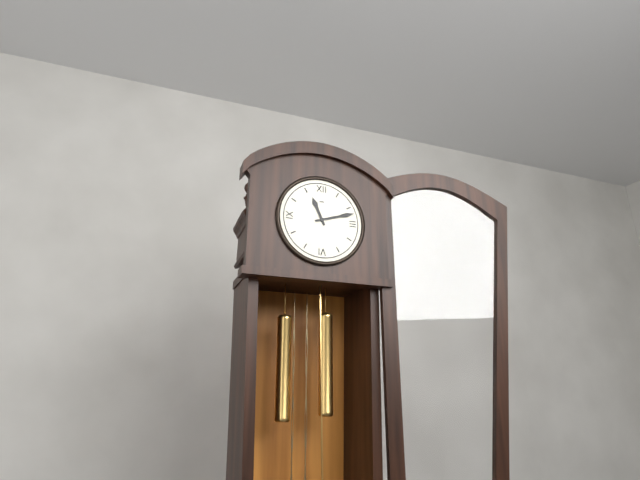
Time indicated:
11h12
